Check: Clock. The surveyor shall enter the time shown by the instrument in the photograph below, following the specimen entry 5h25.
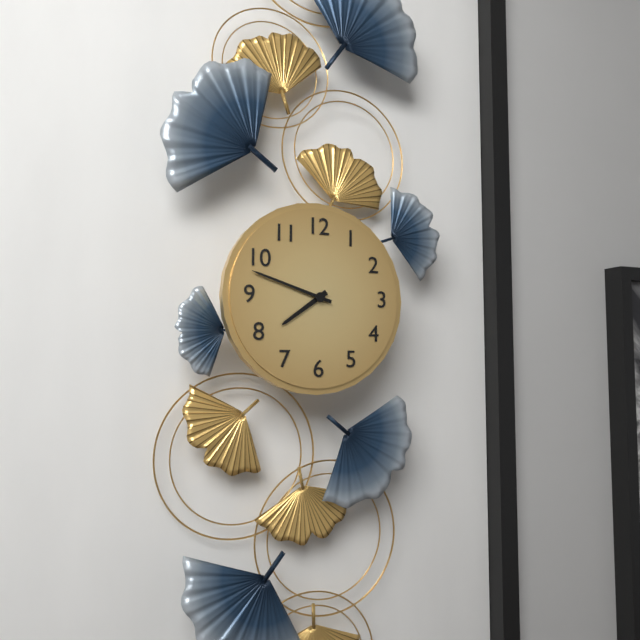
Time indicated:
7h48
